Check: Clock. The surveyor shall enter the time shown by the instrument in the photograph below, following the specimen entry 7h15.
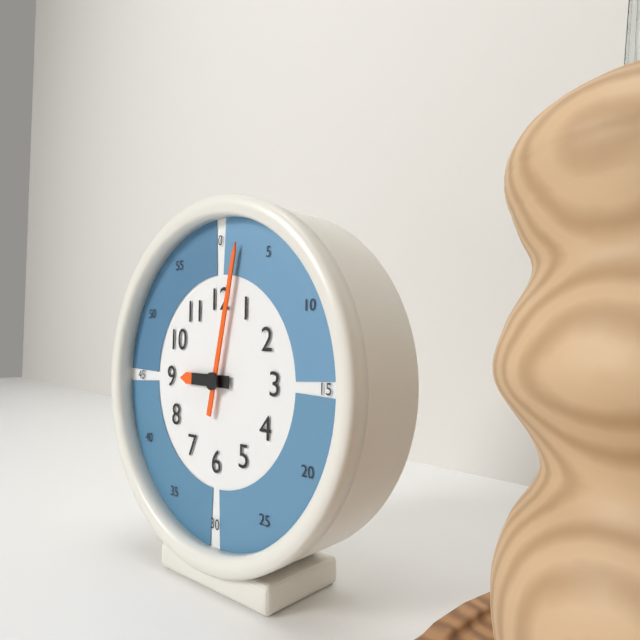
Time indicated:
9h02
